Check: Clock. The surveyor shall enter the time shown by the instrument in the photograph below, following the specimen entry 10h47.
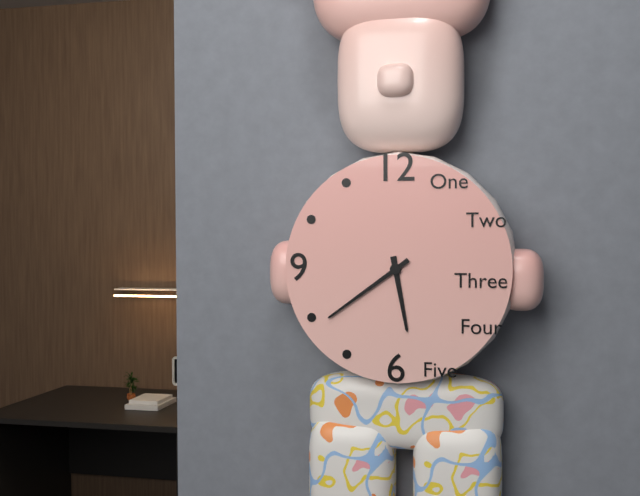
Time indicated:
5h39
